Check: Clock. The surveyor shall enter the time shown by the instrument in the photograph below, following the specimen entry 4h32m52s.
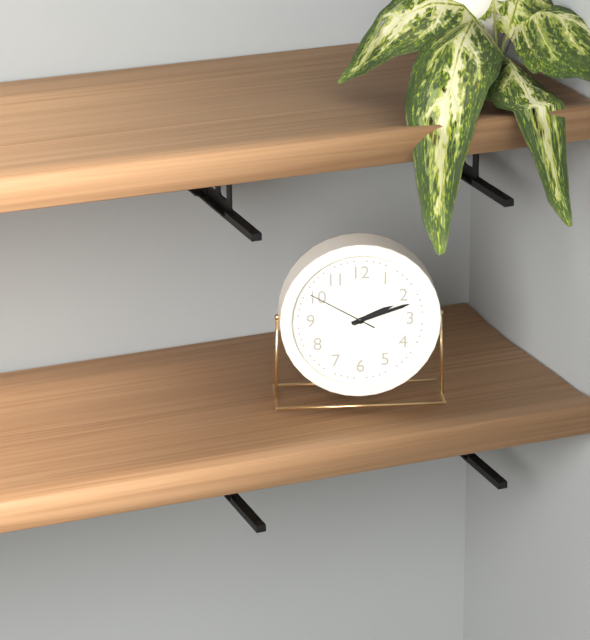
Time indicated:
2h12m50s
